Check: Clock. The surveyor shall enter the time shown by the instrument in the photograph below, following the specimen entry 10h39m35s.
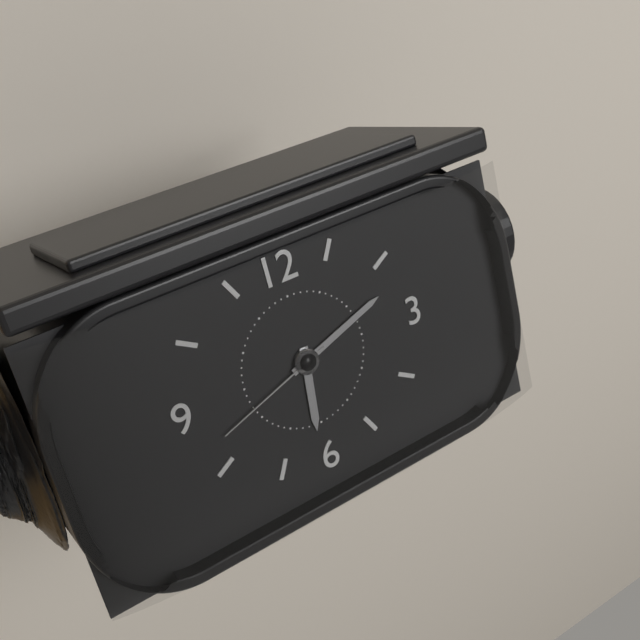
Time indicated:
6h12m42s
